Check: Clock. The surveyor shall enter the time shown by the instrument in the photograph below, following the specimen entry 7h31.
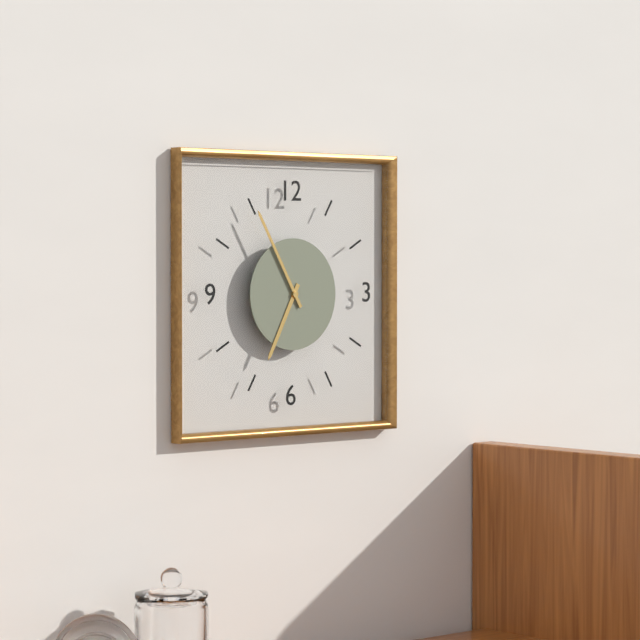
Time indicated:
6h55
